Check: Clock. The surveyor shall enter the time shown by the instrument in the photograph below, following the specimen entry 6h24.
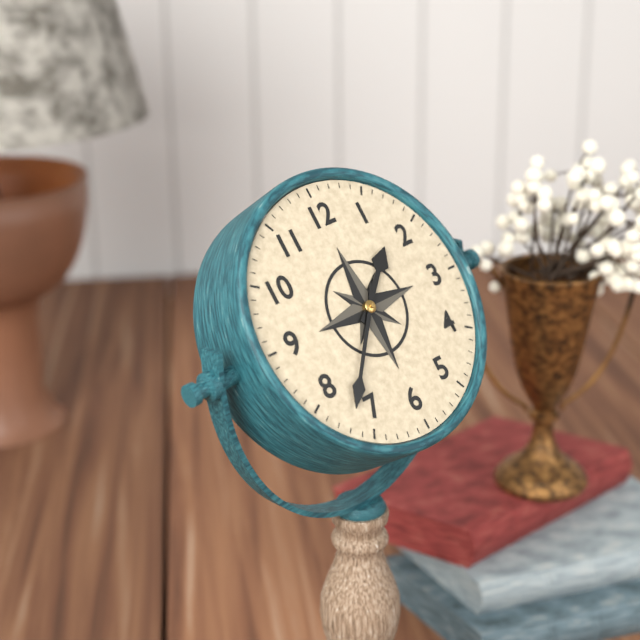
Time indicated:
1h37
